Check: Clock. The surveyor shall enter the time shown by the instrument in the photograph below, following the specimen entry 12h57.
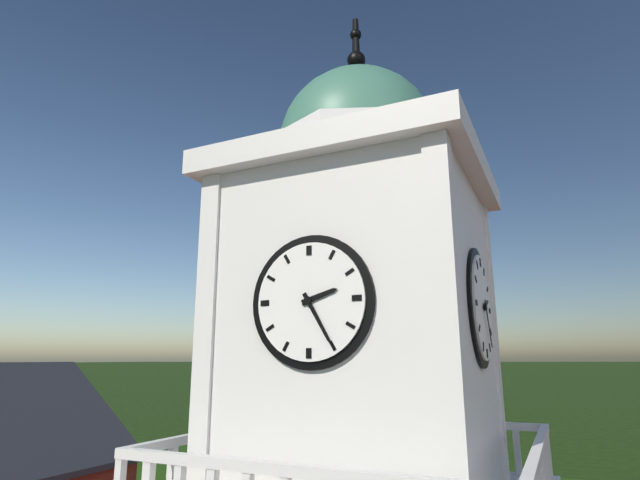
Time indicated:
2h25
